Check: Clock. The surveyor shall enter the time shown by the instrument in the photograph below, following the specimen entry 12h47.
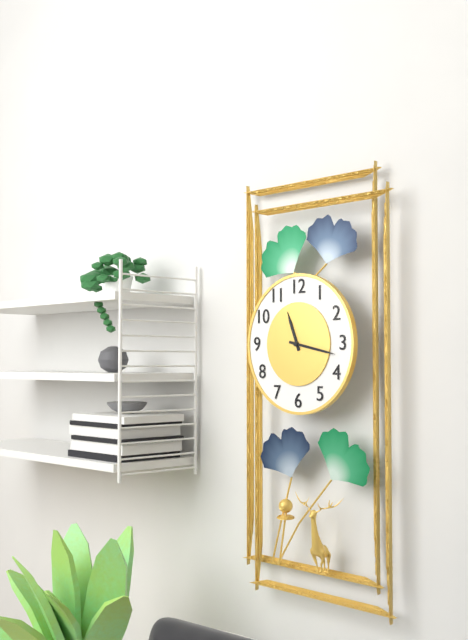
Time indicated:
11h17
